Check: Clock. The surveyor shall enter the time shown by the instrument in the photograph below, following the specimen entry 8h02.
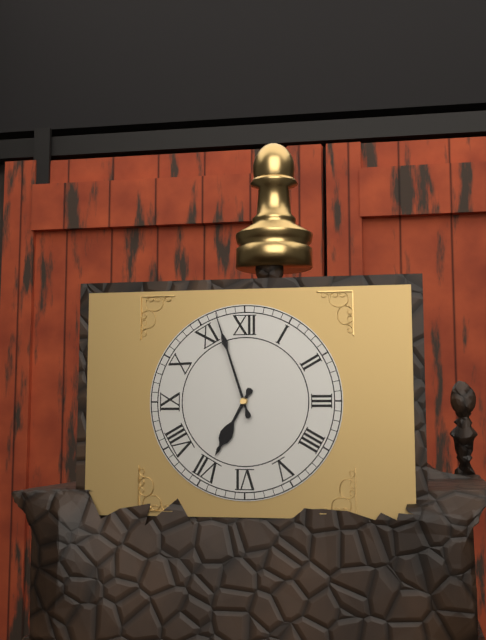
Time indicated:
6h57
